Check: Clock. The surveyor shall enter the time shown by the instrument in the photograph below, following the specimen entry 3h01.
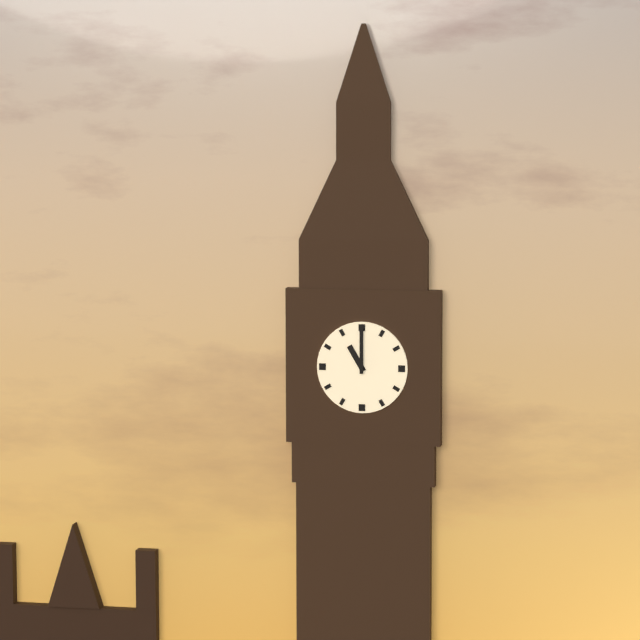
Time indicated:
11h00
